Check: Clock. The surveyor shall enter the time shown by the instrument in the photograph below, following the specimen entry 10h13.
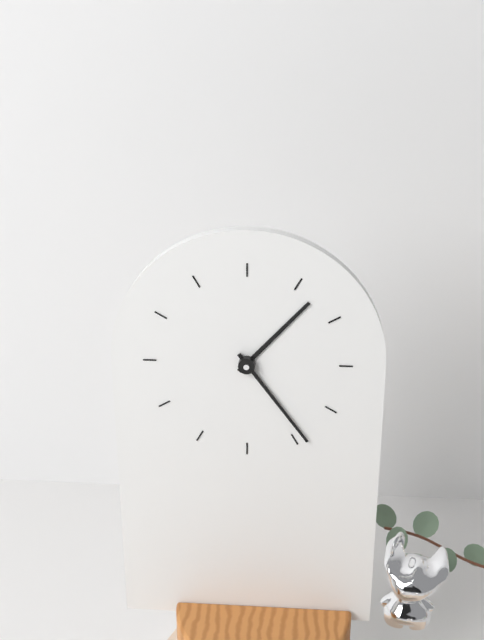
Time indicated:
1h24
